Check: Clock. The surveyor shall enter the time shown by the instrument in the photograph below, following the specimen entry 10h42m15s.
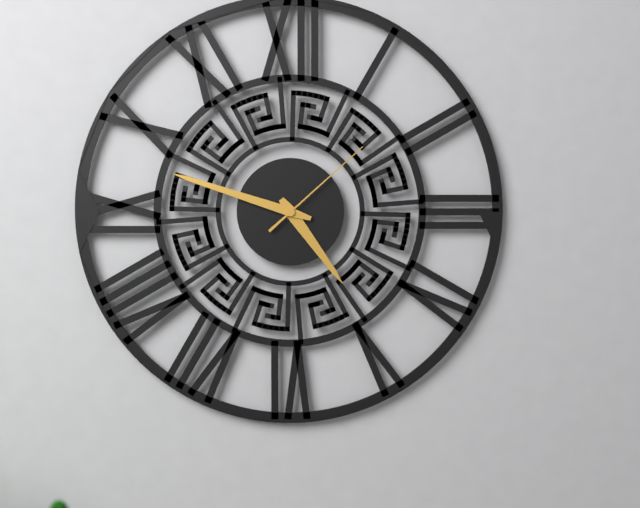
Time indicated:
4h48m08s
